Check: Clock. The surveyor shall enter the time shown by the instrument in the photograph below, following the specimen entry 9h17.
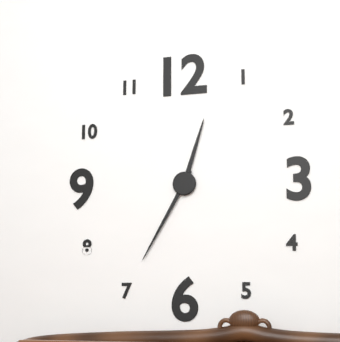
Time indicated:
12h35
